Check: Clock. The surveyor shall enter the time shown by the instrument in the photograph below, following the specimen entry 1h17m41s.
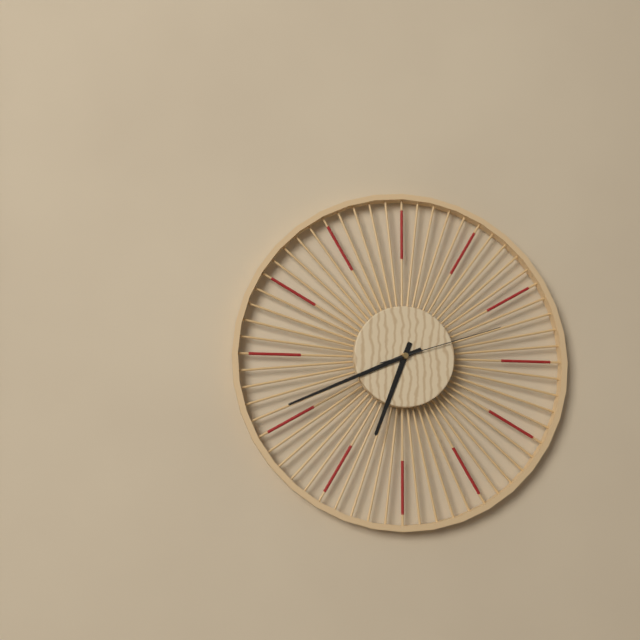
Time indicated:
6h41m12s
